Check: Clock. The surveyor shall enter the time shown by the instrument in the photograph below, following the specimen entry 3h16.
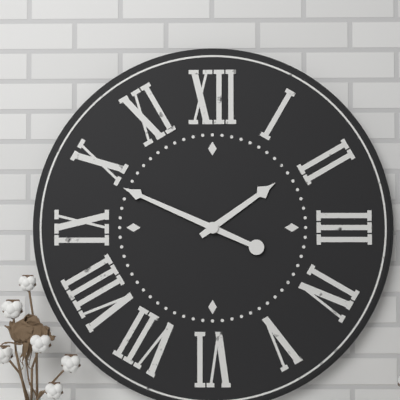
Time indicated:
1h49
